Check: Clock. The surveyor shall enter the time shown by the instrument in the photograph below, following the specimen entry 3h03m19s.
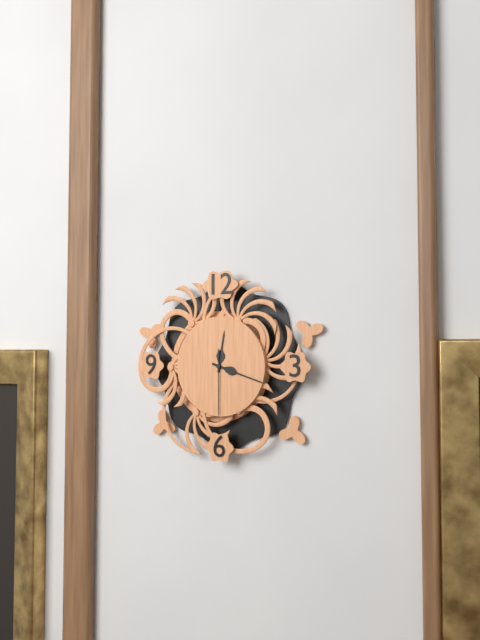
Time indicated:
12h18m30s
